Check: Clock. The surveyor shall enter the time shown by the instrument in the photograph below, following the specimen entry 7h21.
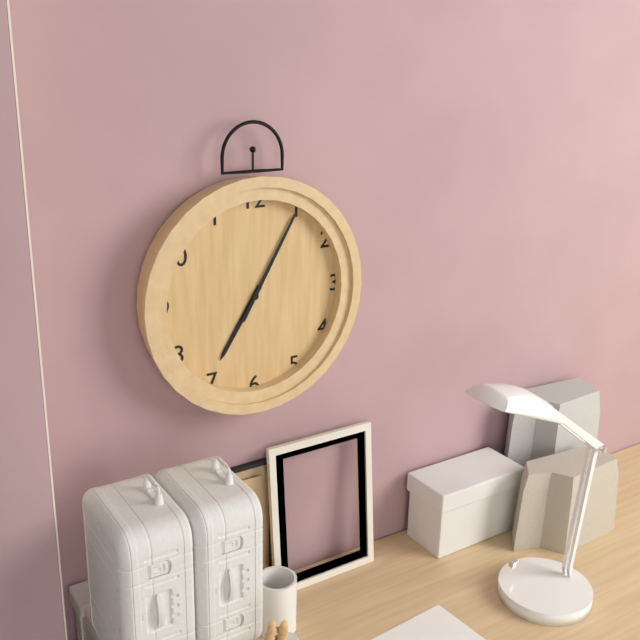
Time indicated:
7h05
